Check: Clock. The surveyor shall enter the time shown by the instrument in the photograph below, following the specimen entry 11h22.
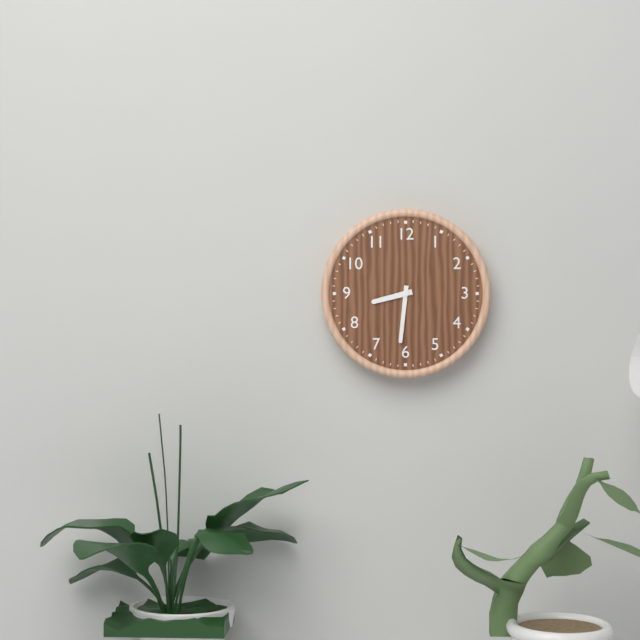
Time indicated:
8h31
